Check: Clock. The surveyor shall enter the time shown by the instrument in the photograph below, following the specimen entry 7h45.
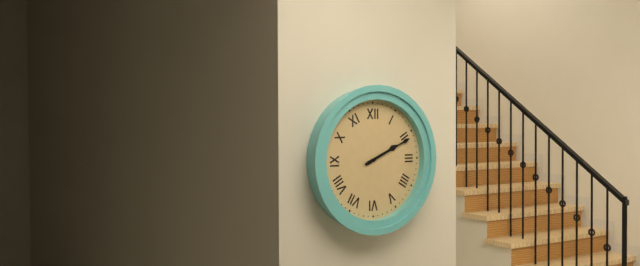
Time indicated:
2h11
